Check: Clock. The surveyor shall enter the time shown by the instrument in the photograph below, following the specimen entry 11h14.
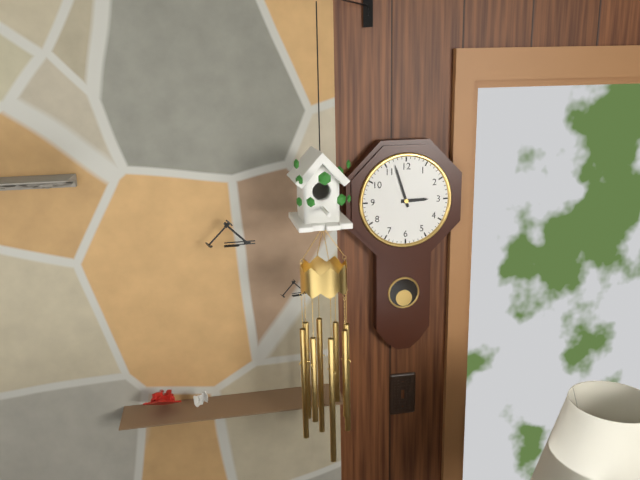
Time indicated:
2h57
